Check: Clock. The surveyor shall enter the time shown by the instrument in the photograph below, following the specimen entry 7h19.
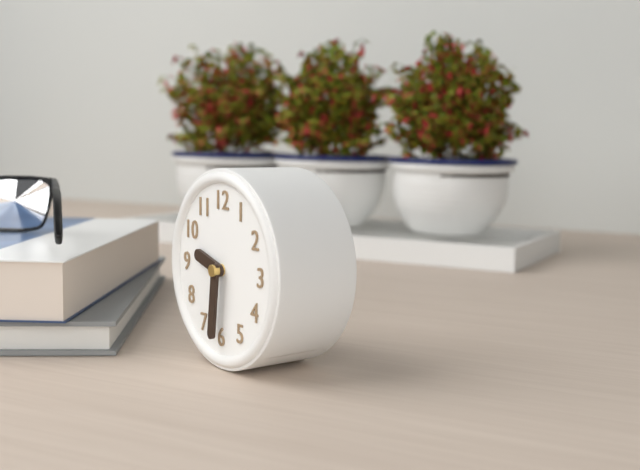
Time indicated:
9h31
